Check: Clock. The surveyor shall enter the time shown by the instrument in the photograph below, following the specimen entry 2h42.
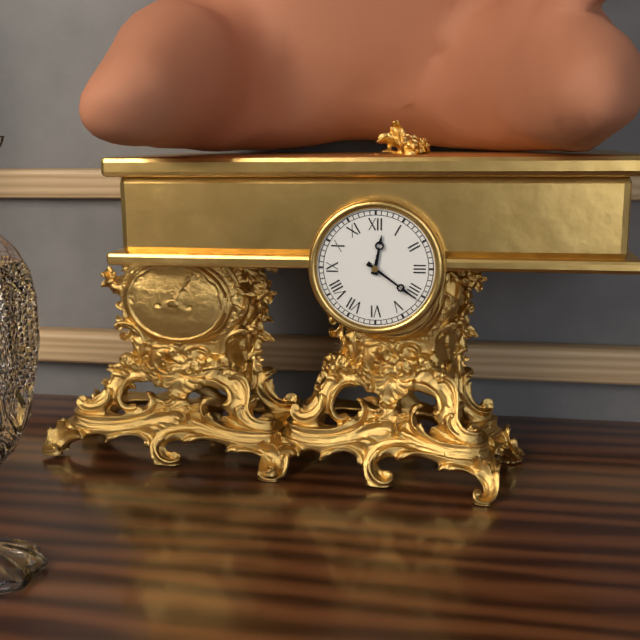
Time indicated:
12h21
